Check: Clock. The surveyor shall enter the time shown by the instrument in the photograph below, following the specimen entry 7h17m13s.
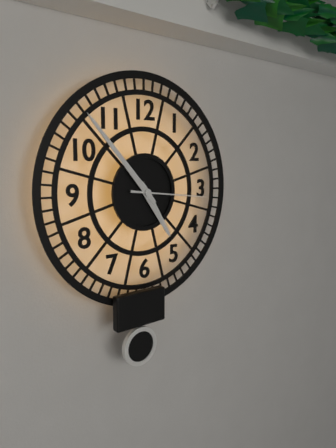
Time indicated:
4h53m16s
